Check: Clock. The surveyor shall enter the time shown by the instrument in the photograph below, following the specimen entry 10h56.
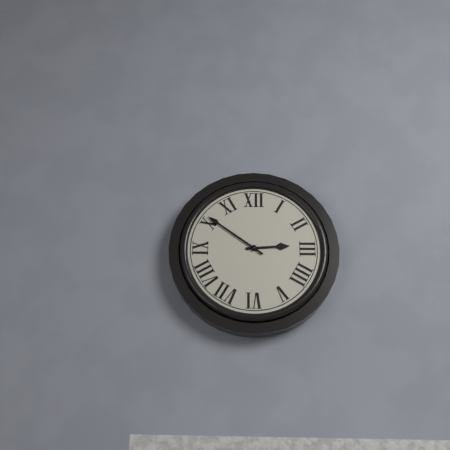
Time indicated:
2h51
